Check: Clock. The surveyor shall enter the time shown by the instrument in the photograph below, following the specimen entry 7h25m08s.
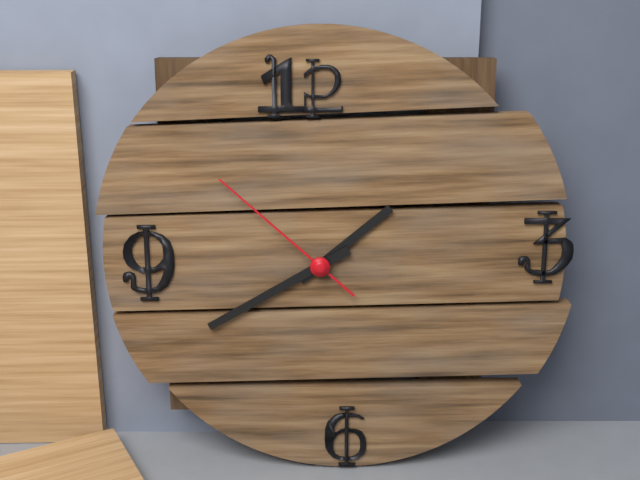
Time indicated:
1h40m52s
